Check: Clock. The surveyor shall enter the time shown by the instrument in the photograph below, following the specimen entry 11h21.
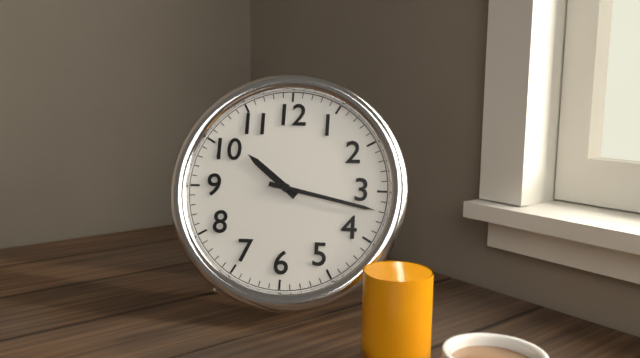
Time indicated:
10h17
